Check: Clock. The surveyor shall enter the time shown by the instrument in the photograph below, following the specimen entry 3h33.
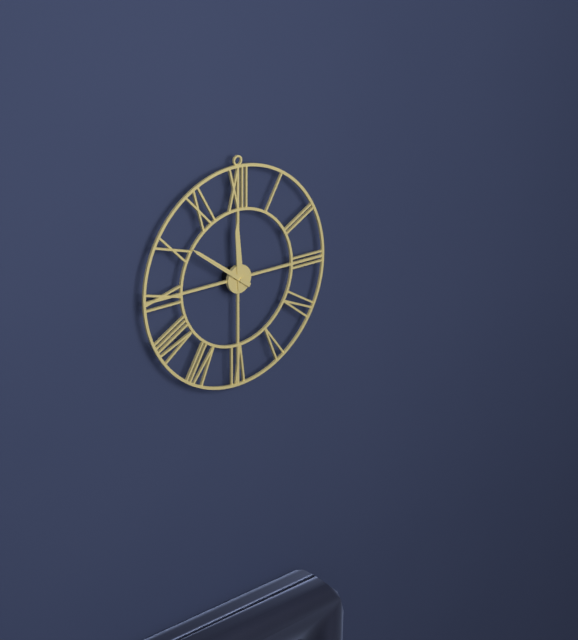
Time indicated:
11h51
